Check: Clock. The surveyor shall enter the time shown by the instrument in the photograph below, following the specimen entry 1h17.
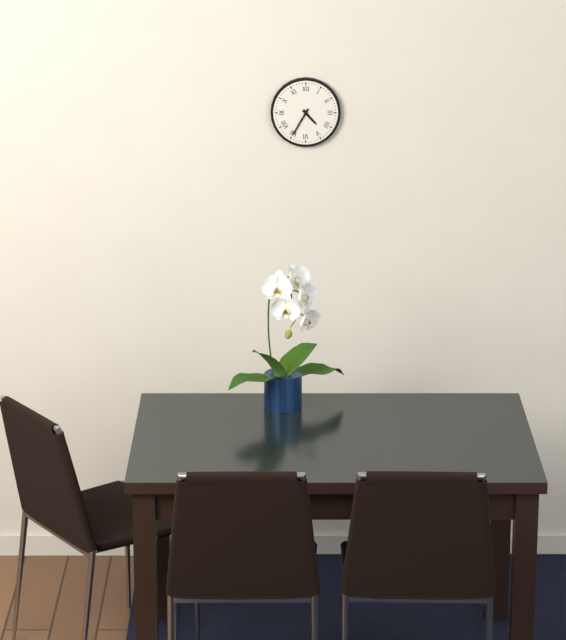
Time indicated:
4h35
